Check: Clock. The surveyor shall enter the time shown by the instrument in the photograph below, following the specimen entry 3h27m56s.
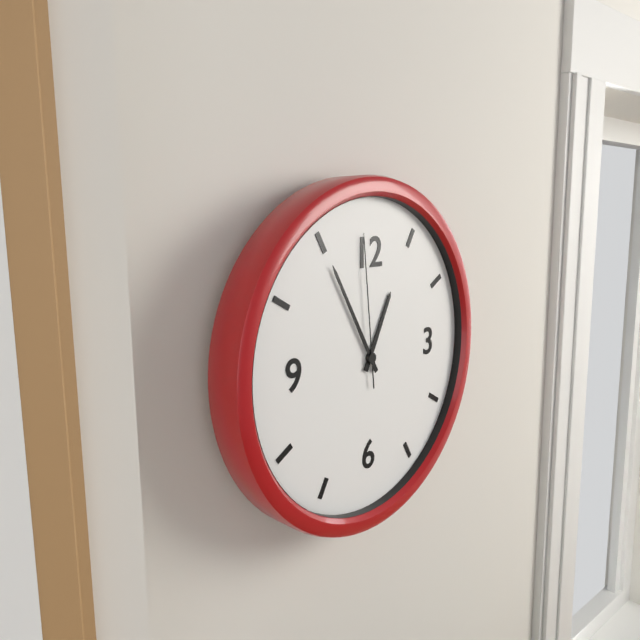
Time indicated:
12h55m59s
